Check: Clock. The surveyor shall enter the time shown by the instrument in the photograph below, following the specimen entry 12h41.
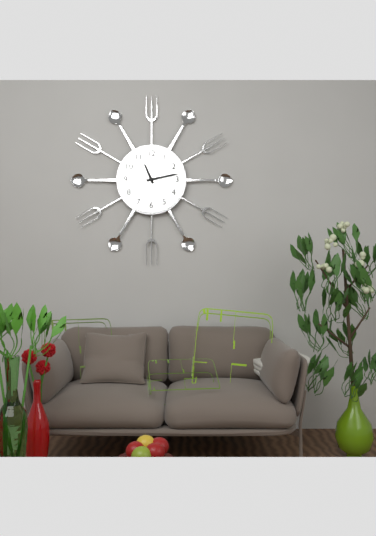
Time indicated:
11h13
